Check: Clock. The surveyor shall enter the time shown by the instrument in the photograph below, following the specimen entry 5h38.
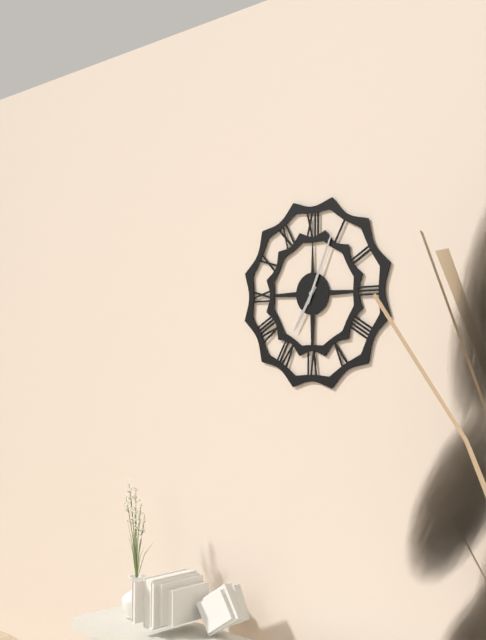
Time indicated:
7h04
